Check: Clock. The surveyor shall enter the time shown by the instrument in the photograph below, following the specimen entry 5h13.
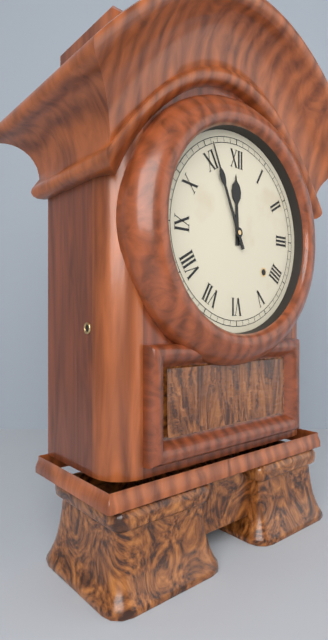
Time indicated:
11h56
